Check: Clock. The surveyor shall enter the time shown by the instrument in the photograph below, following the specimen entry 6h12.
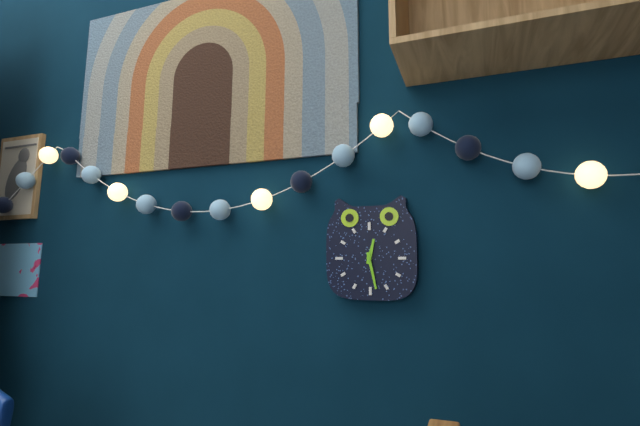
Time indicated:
12h28
